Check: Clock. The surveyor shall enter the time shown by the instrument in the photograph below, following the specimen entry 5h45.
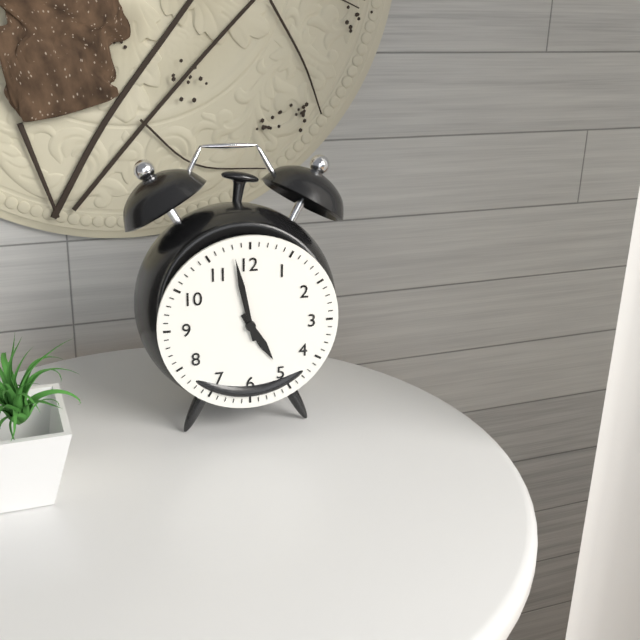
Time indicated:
4h58
